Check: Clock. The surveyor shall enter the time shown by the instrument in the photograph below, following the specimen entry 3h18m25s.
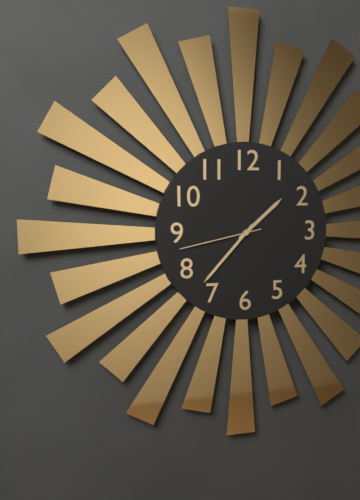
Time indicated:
1h37m43s
